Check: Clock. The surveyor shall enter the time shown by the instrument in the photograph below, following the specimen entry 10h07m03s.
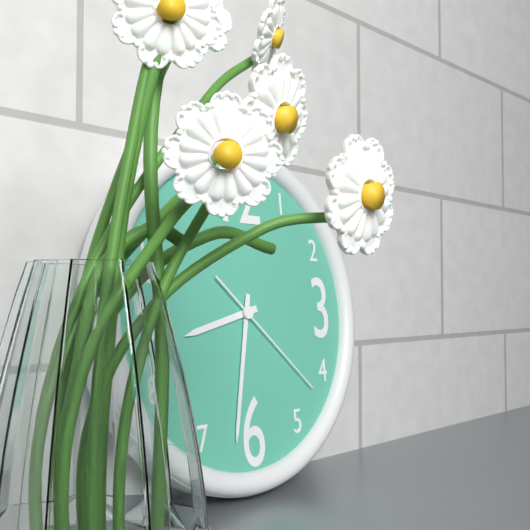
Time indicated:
8h32m22s
